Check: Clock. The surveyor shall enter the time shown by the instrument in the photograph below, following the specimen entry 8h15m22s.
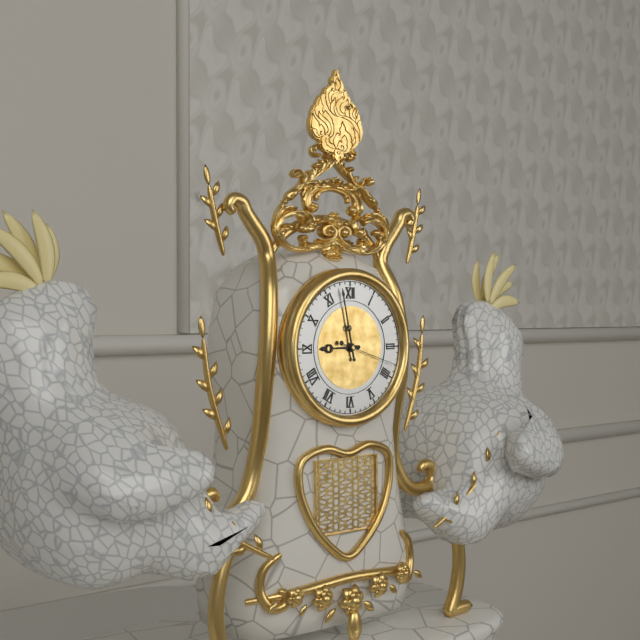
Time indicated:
8h58m18s
